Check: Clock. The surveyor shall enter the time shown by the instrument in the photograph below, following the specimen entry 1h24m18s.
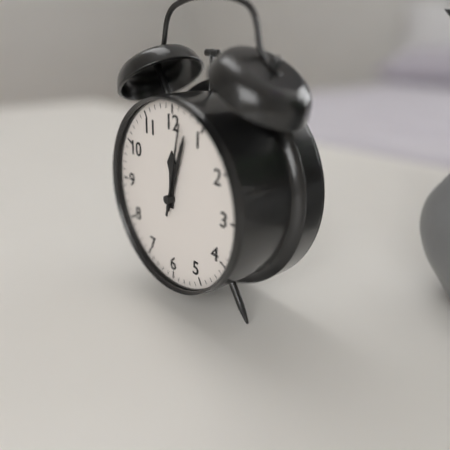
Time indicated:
12h03m02s
